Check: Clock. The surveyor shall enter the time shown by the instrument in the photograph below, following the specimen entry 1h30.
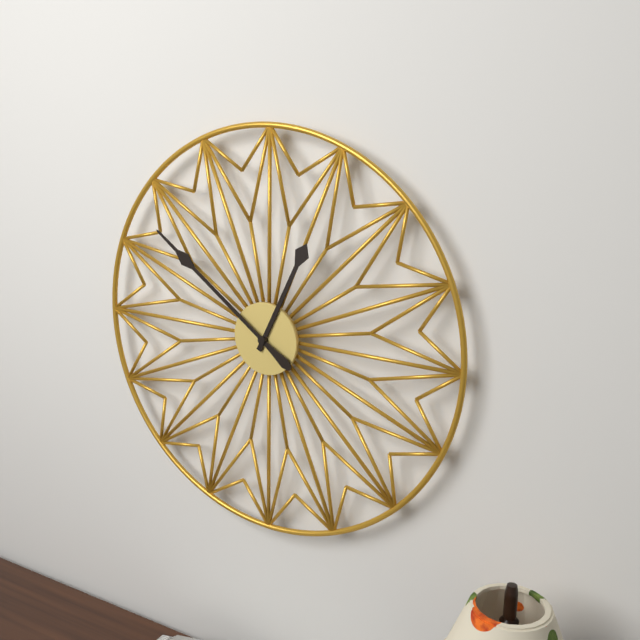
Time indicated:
12h51
